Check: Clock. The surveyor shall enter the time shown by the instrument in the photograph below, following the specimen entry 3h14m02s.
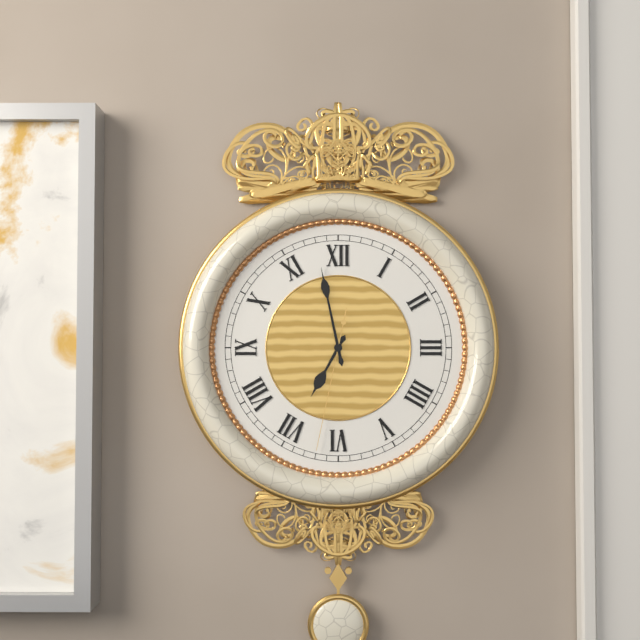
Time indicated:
6h58m32s
